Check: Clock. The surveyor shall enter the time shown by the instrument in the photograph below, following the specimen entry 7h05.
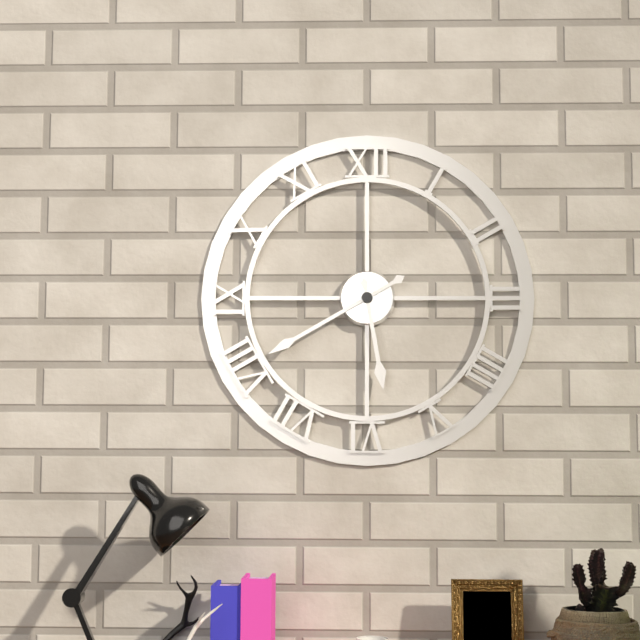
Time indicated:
5h40
